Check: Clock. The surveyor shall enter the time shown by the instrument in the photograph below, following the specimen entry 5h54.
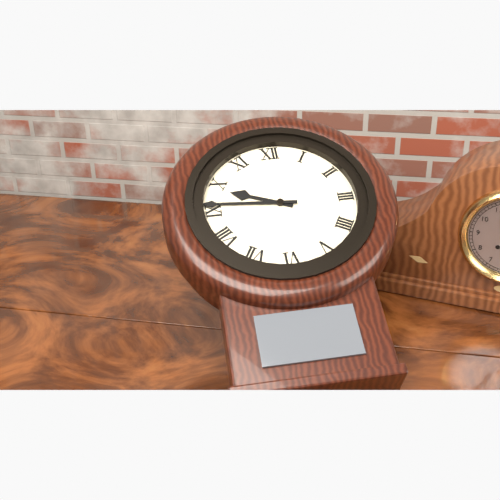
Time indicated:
9h46
